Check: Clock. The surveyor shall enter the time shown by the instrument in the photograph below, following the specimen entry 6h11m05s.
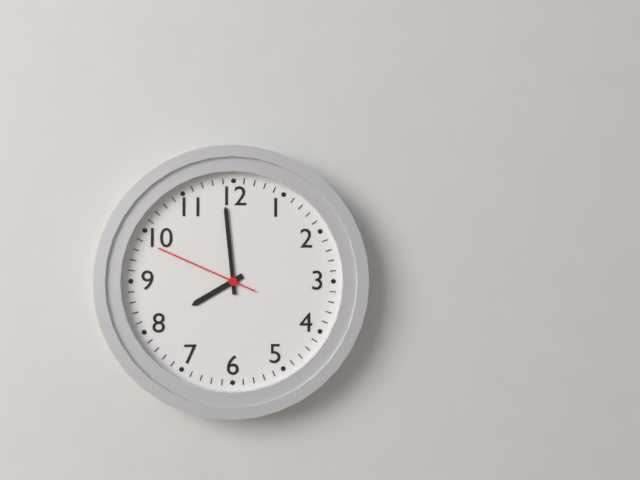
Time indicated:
7h59m49s
